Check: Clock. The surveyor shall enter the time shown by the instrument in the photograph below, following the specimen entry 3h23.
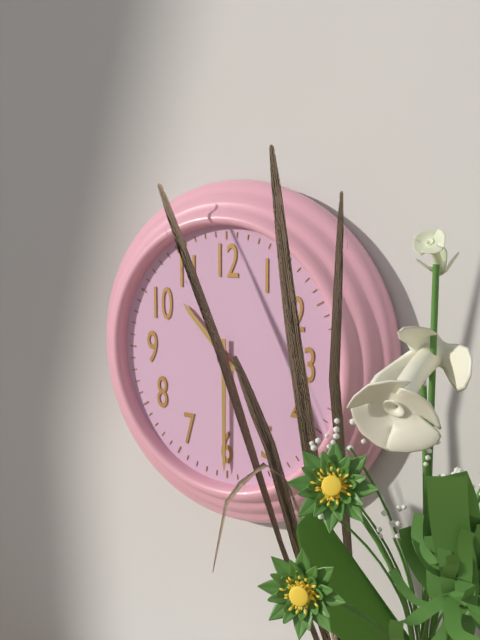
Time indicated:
10h30
